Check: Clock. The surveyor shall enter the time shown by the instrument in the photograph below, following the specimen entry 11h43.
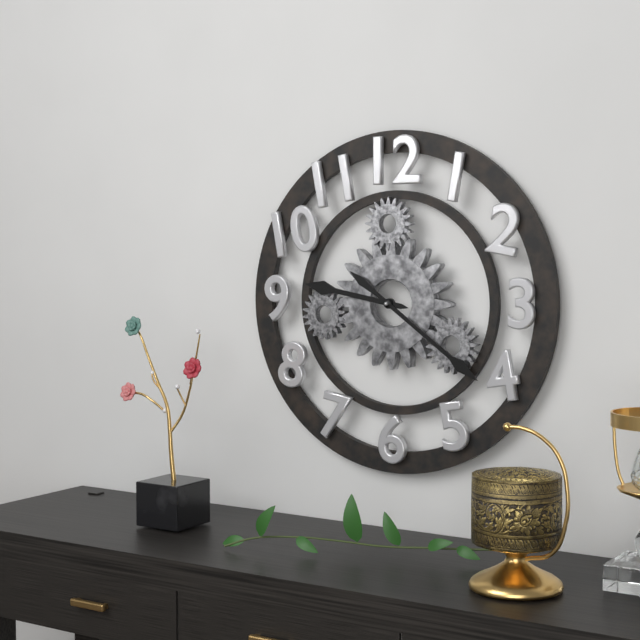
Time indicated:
9h21
